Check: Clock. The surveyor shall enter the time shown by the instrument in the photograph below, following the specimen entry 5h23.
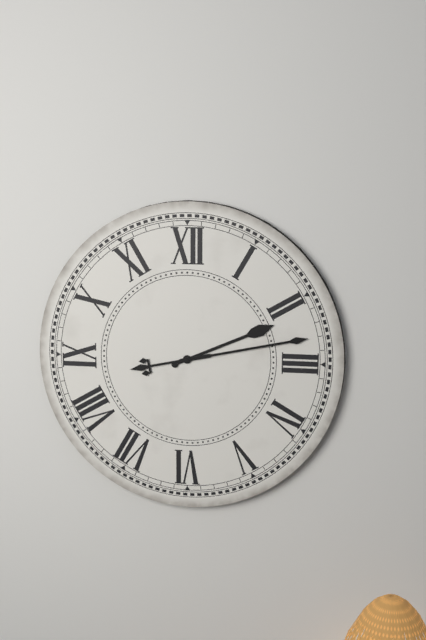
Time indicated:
2h13
